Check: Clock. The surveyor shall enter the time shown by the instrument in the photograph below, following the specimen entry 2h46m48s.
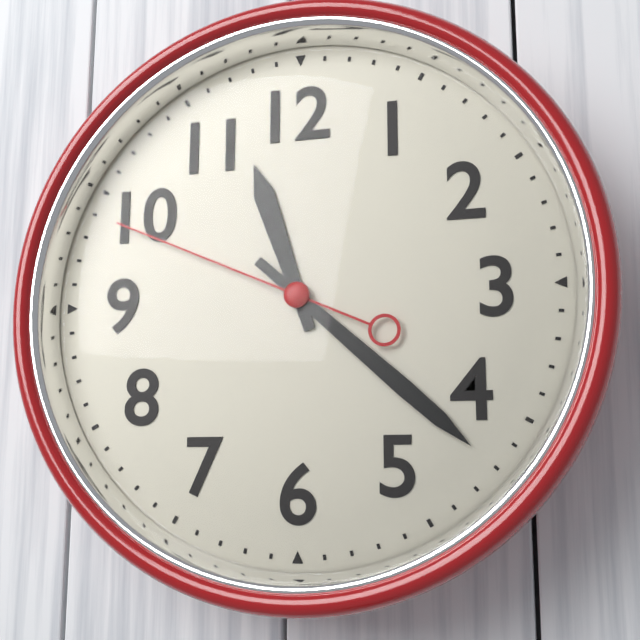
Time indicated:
11h22m49s
